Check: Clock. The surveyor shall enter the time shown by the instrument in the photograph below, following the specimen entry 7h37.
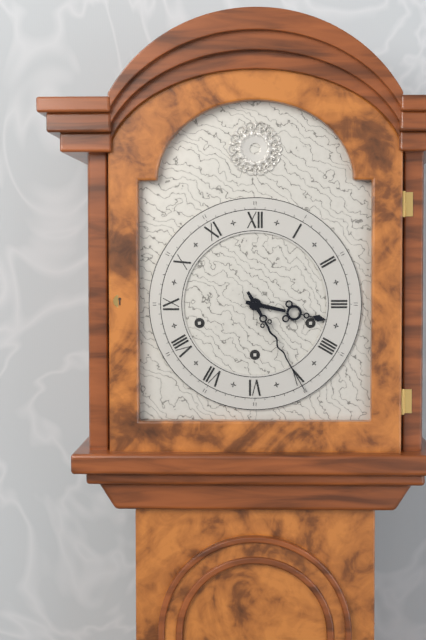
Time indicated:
3h25
